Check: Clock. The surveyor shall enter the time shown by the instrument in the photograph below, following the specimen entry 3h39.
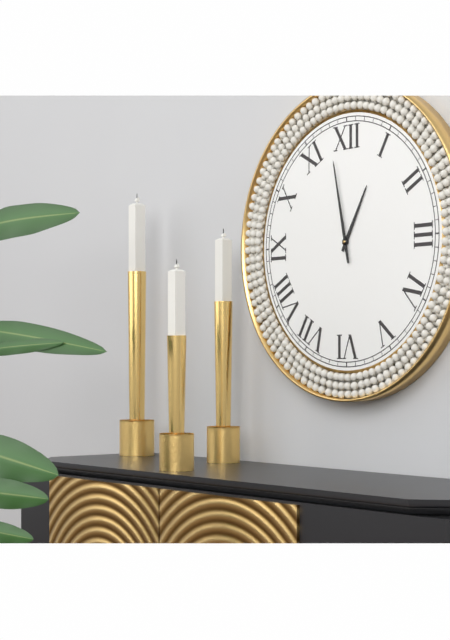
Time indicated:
12h58
